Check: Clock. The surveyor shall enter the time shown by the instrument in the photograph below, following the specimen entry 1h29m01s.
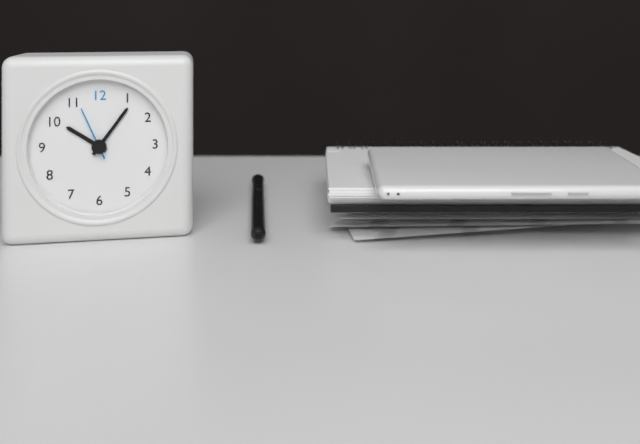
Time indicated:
10h06m56s
